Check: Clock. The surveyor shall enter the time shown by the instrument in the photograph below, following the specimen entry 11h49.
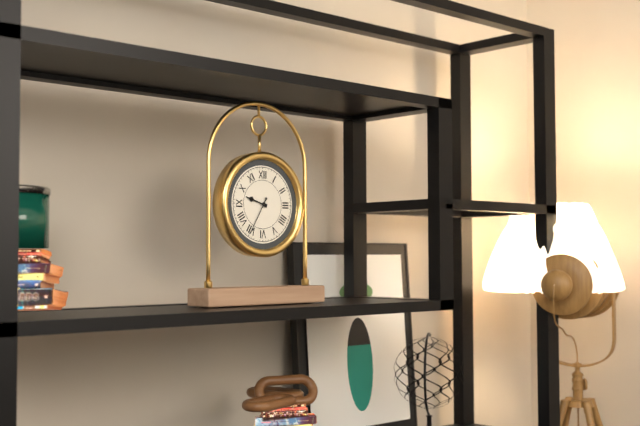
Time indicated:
9h35
